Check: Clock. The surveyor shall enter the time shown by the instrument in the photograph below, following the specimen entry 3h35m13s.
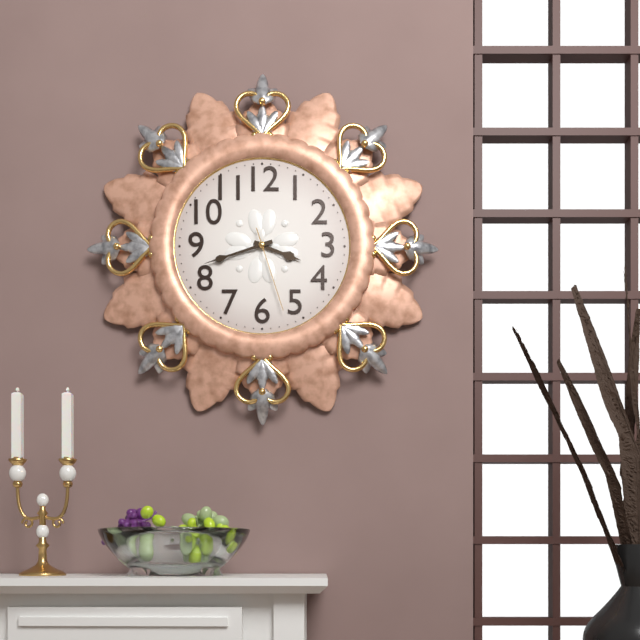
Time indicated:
3h42m27s
